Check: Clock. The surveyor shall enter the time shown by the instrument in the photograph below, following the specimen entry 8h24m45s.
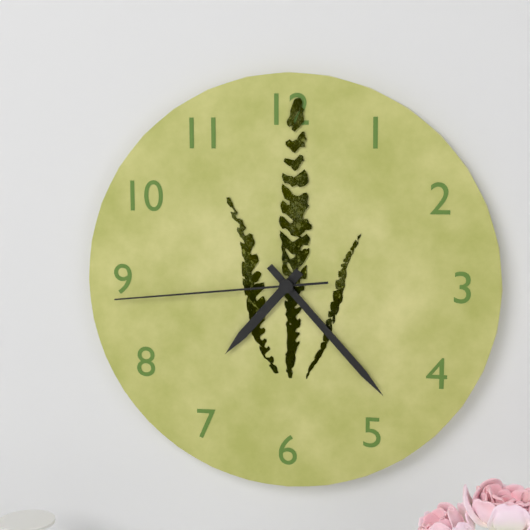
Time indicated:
7h23m44s
